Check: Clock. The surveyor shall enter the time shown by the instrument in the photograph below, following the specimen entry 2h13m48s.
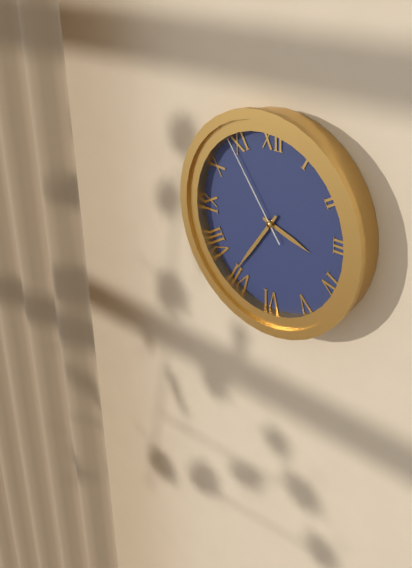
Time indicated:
3h36m54s
